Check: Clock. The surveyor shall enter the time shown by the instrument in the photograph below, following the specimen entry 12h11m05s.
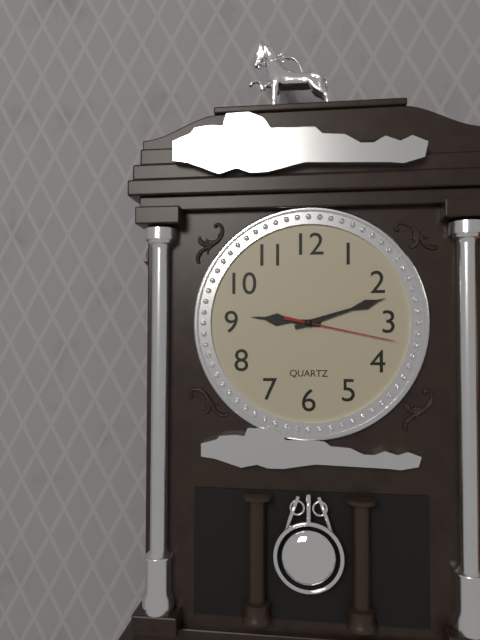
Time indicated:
9h12m17s
